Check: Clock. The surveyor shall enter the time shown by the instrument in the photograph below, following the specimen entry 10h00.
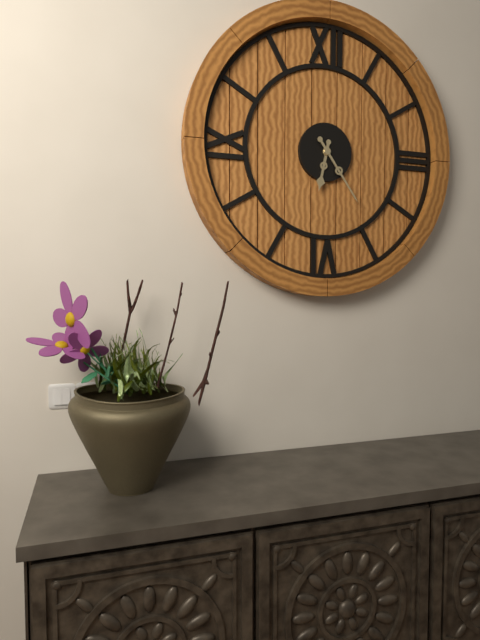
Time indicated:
6h24
